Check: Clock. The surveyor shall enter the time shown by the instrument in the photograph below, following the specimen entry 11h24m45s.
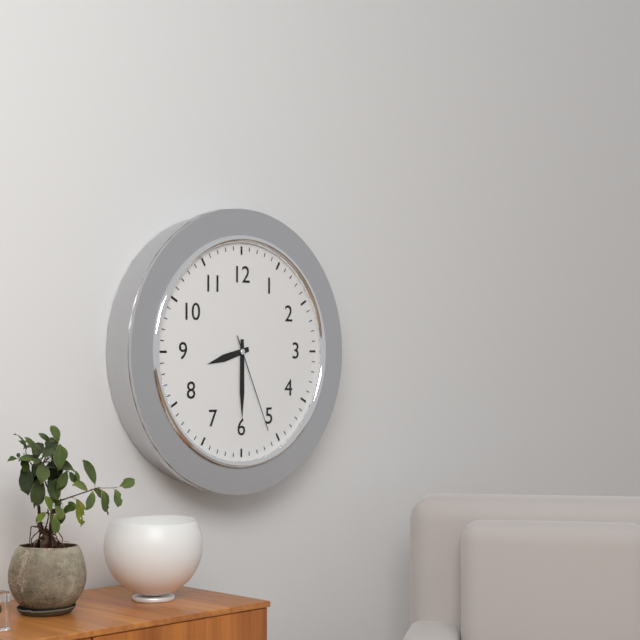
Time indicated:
8h30m26s
